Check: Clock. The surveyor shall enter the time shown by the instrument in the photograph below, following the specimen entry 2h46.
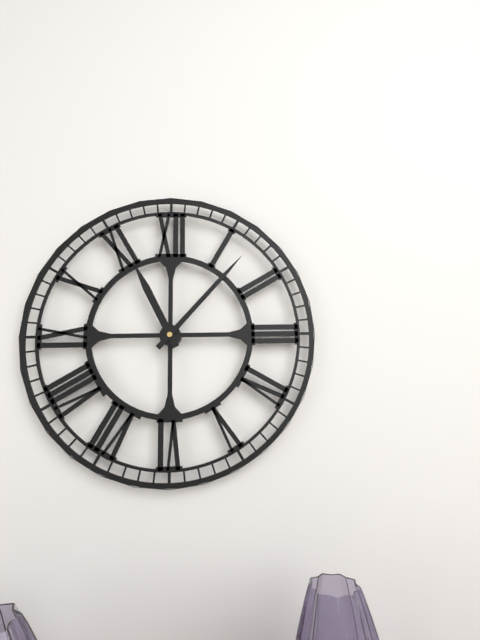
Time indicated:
11h07
